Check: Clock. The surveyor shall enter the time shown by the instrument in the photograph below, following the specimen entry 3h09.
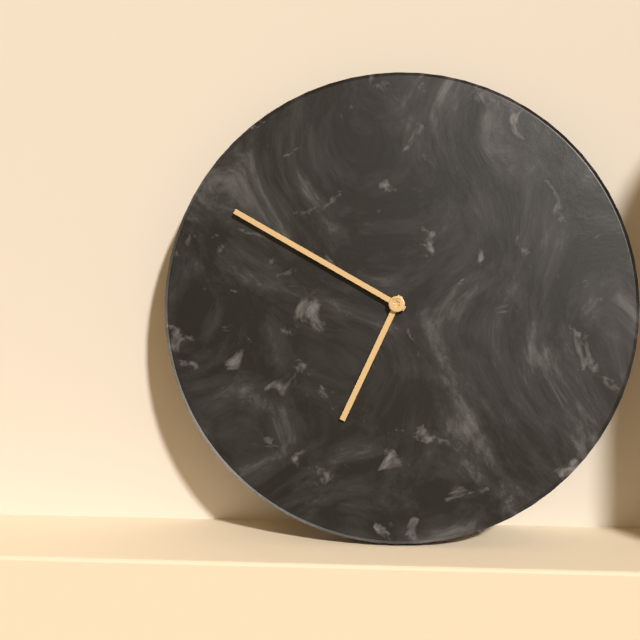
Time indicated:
6h50
